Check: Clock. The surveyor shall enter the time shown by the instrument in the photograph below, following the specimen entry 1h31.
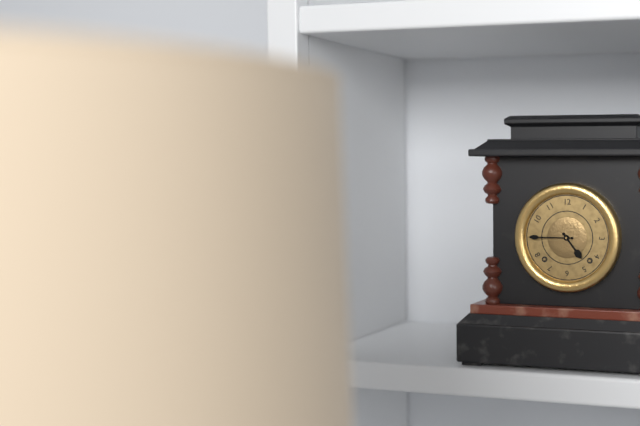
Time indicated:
4h45
